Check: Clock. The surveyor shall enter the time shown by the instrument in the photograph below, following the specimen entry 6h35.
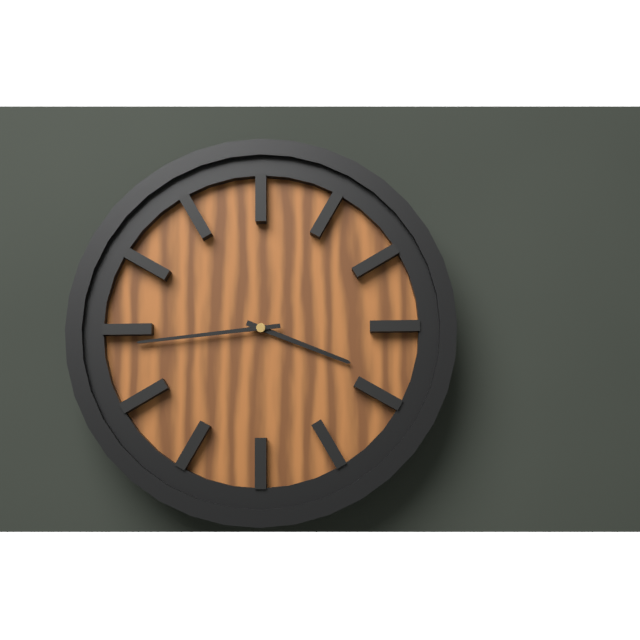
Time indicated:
3h44
